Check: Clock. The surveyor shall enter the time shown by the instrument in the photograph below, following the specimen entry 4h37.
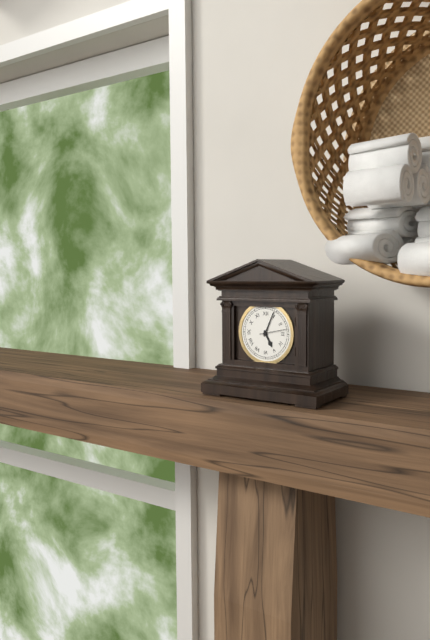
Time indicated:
5h04
